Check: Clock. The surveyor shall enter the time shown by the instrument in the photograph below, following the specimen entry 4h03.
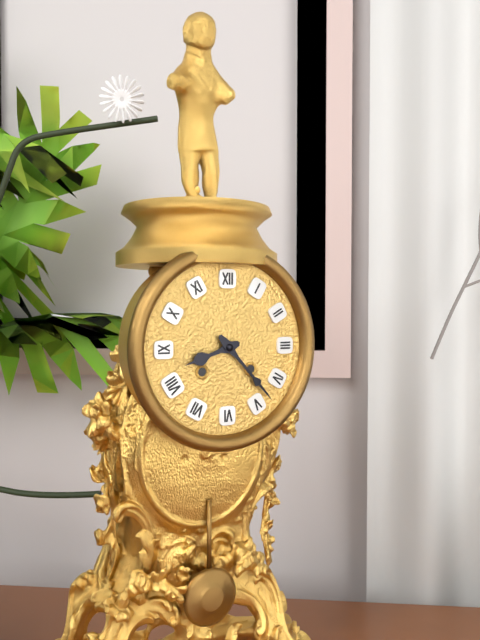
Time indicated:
8h23
